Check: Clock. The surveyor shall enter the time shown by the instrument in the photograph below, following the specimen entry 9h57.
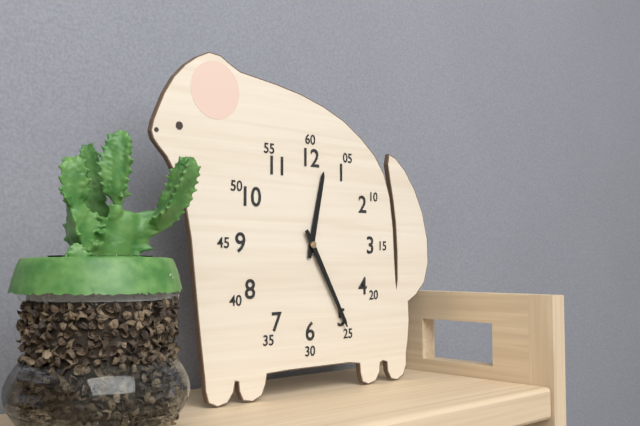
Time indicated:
12h25
